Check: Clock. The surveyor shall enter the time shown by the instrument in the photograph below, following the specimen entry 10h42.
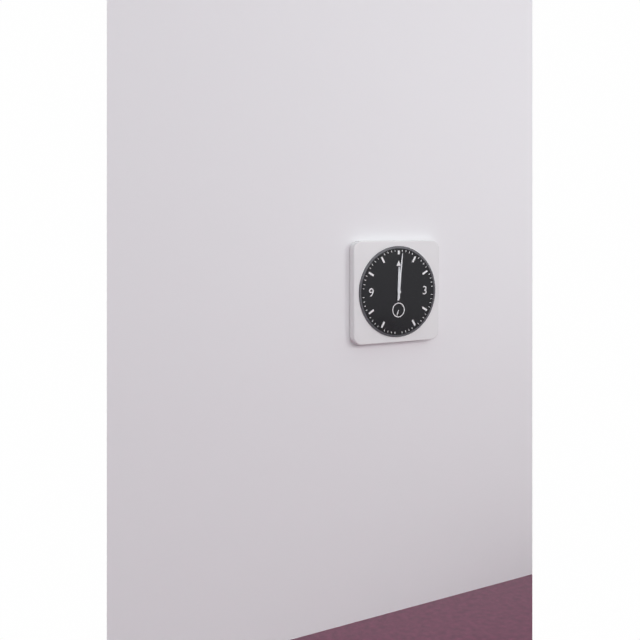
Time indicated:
12h01
